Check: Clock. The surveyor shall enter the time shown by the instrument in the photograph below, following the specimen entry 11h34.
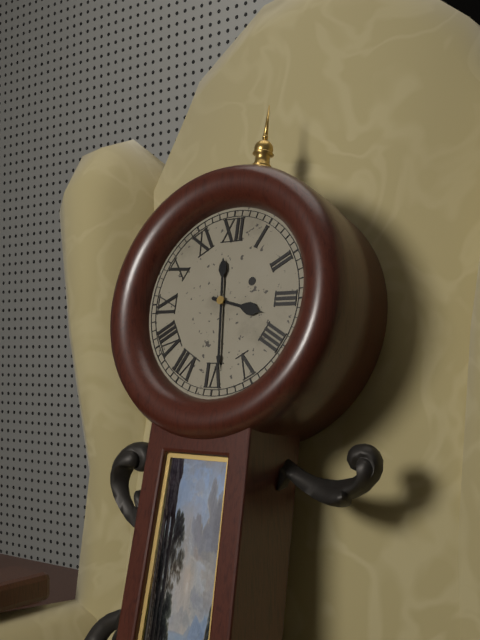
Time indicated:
3h29
